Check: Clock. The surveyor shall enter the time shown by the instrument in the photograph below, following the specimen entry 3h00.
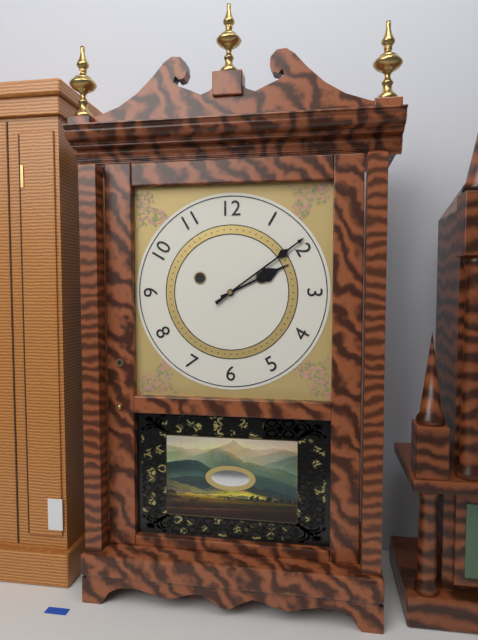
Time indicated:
2h09
